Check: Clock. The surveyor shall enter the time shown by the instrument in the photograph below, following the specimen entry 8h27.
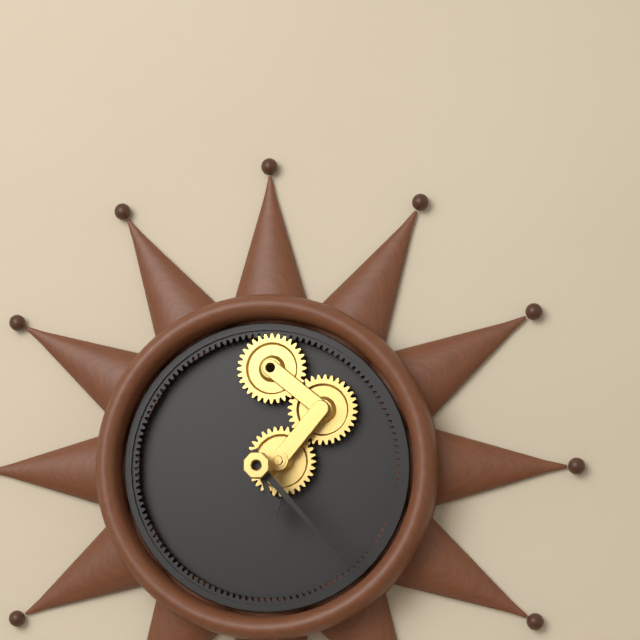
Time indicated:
5h23
